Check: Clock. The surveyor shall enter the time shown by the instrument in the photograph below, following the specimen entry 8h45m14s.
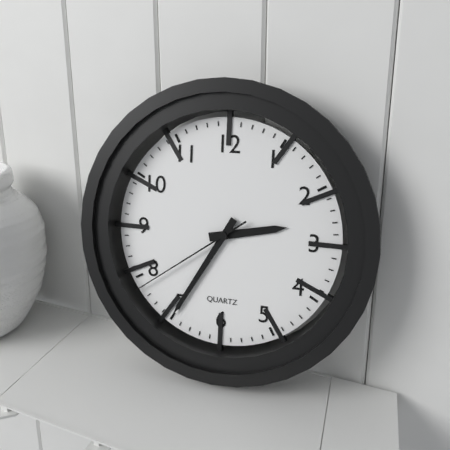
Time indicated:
2h35m39s
